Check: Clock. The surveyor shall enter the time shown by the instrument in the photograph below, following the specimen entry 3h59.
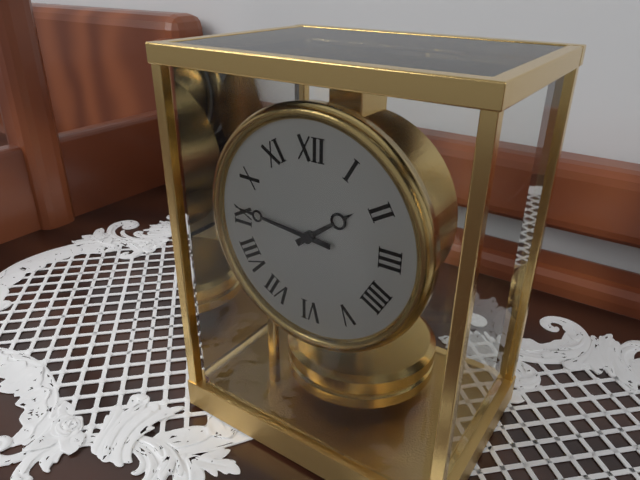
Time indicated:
1h46
